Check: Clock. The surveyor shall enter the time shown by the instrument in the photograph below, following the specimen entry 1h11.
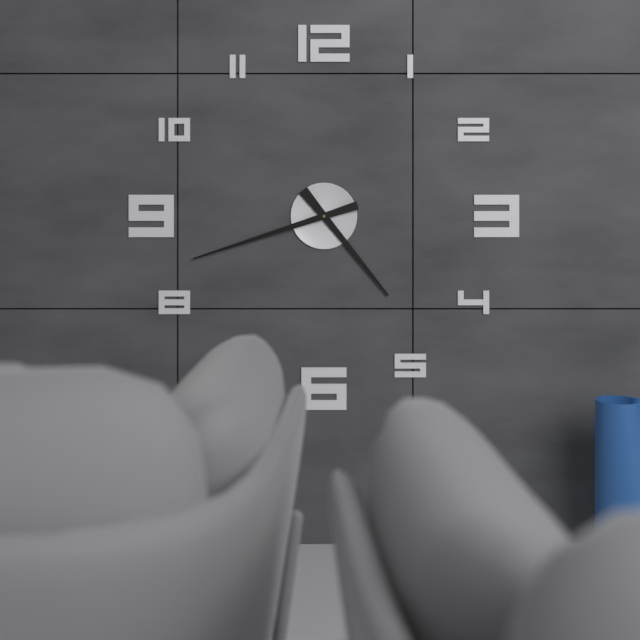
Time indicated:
4h42
